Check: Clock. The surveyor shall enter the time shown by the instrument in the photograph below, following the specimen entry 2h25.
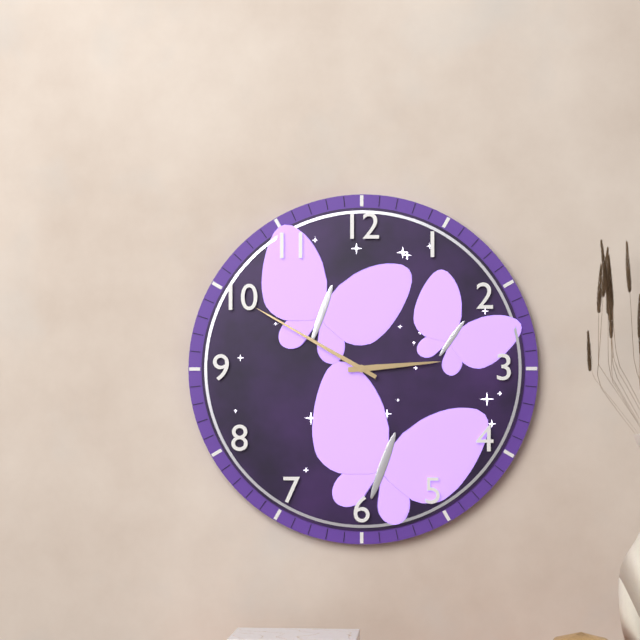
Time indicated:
2h50
